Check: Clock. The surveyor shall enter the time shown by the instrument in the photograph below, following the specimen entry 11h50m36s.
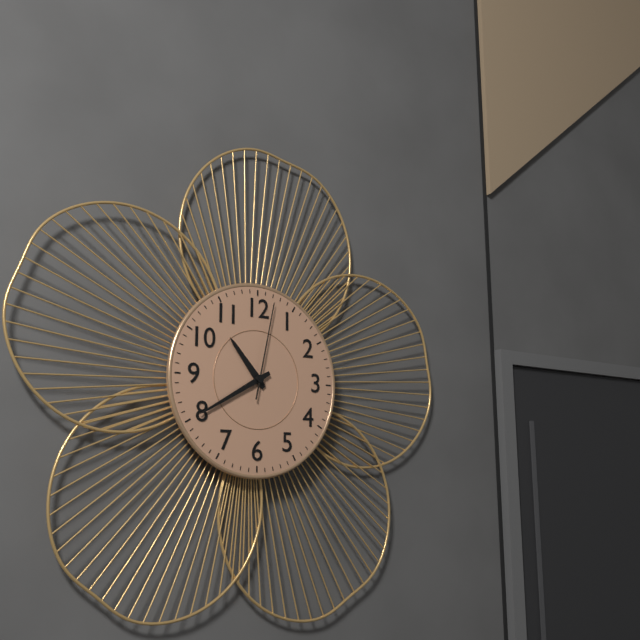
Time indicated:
10h40m02s
